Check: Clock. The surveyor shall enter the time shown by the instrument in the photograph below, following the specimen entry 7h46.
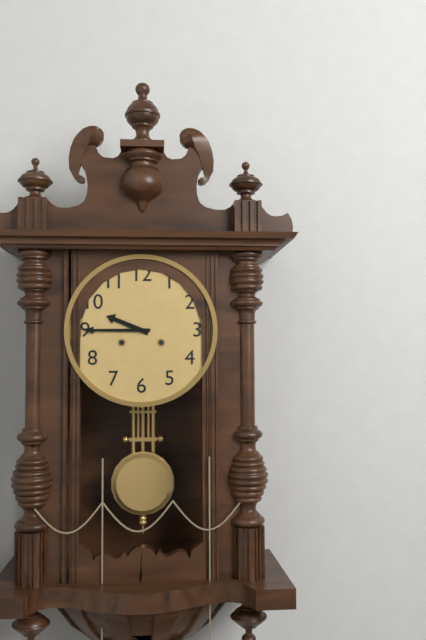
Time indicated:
9h45
